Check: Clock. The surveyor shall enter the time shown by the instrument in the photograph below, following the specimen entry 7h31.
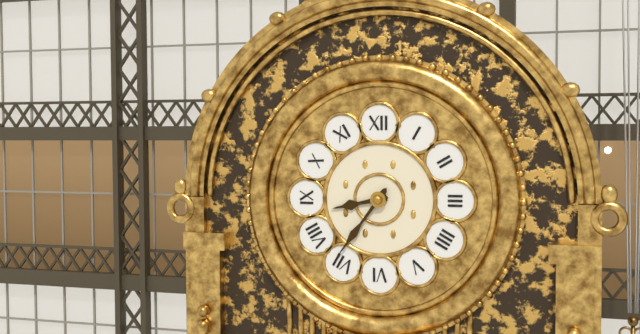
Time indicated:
8h36
